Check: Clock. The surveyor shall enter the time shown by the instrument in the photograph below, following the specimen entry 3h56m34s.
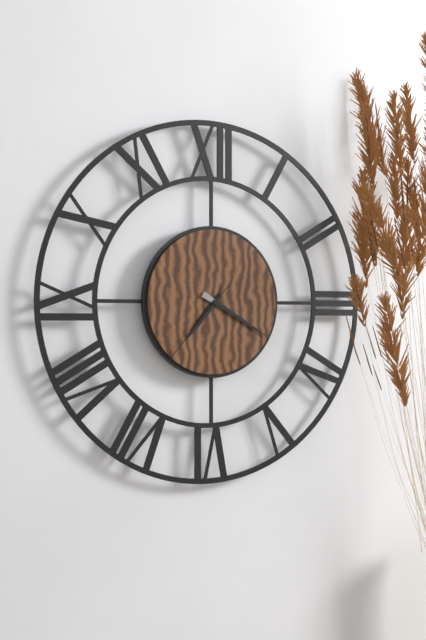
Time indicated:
7h20m37s
